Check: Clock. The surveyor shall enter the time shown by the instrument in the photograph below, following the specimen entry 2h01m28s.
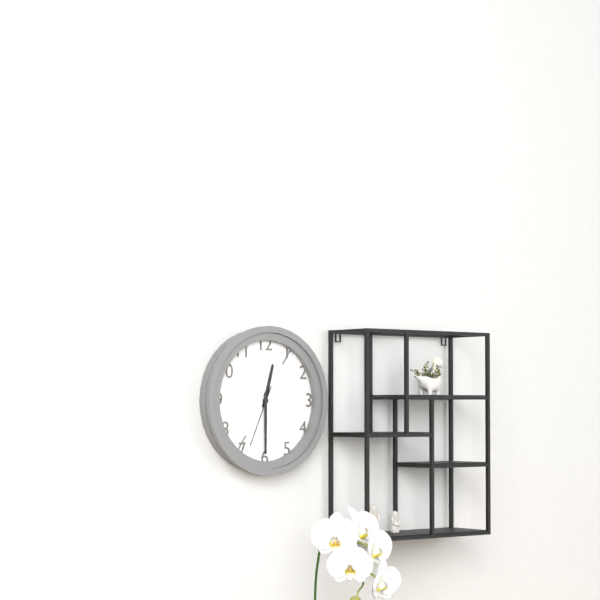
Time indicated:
12h30m34s
